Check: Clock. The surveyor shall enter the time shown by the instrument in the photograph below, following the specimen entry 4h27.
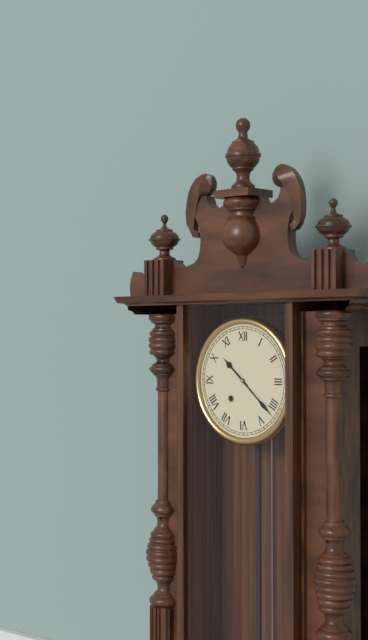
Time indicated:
10h22
